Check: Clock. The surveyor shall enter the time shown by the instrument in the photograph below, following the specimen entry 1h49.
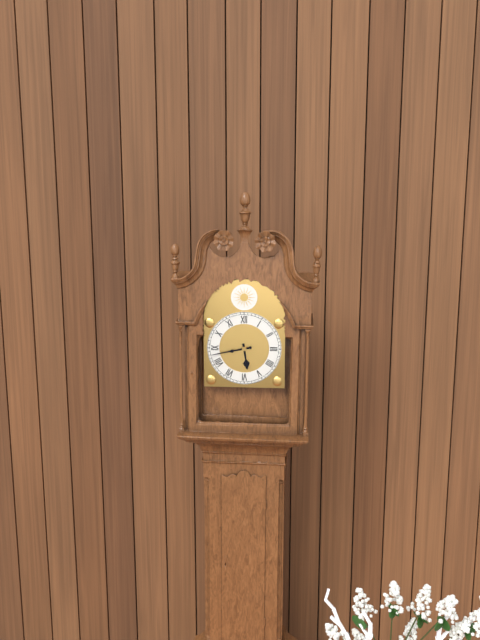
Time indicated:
5h43
